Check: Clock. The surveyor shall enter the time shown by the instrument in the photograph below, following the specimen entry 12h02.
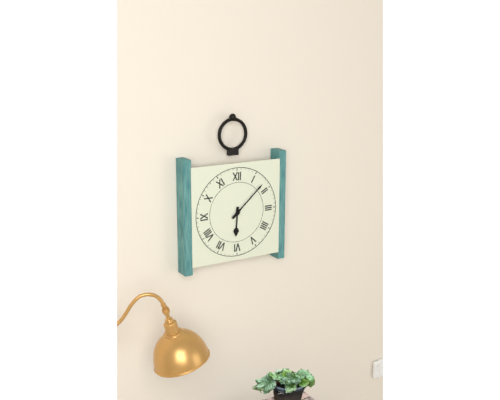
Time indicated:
6h08
